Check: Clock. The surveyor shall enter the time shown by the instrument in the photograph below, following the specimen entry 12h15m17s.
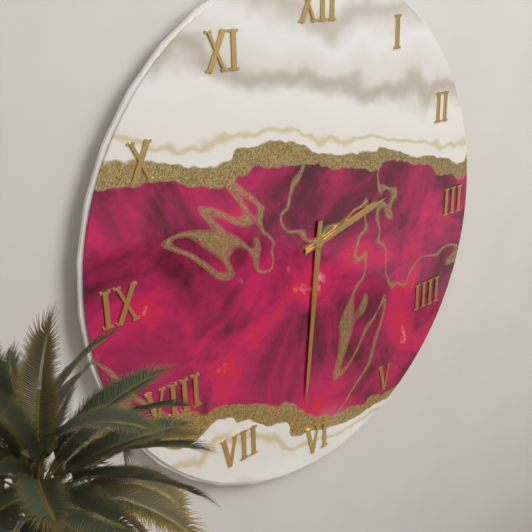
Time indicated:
2h31m12s
